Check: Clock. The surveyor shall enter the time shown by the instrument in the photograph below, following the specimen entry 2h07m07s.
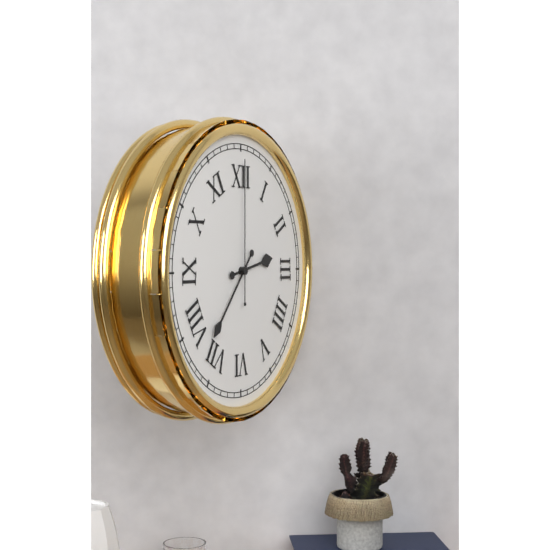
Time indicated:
2h37m00s
